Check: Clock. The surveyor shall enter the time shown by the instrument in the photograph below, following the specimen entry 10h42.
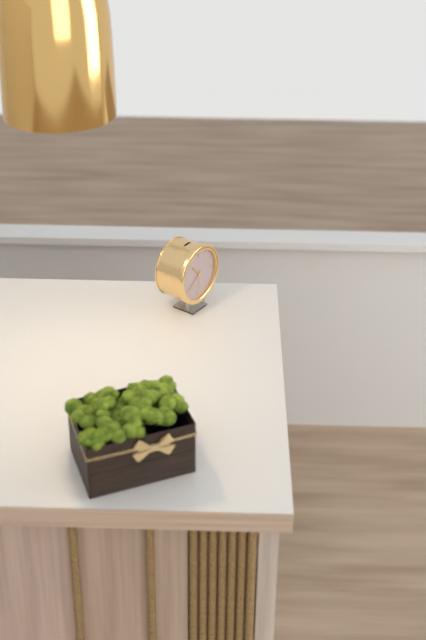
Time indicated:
10h39
